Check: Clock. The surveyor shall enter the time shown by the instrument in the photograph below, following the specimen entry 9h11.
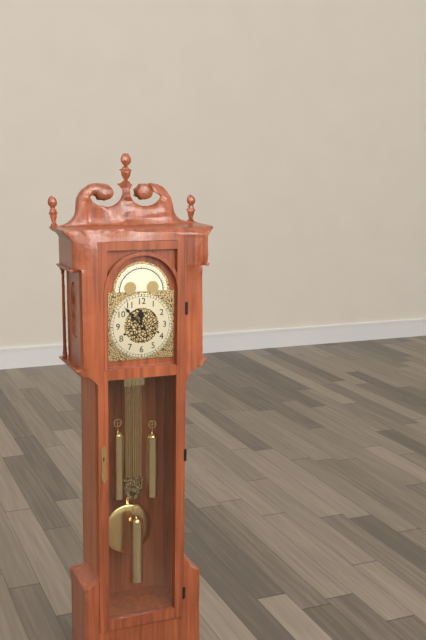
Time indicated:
11h53
